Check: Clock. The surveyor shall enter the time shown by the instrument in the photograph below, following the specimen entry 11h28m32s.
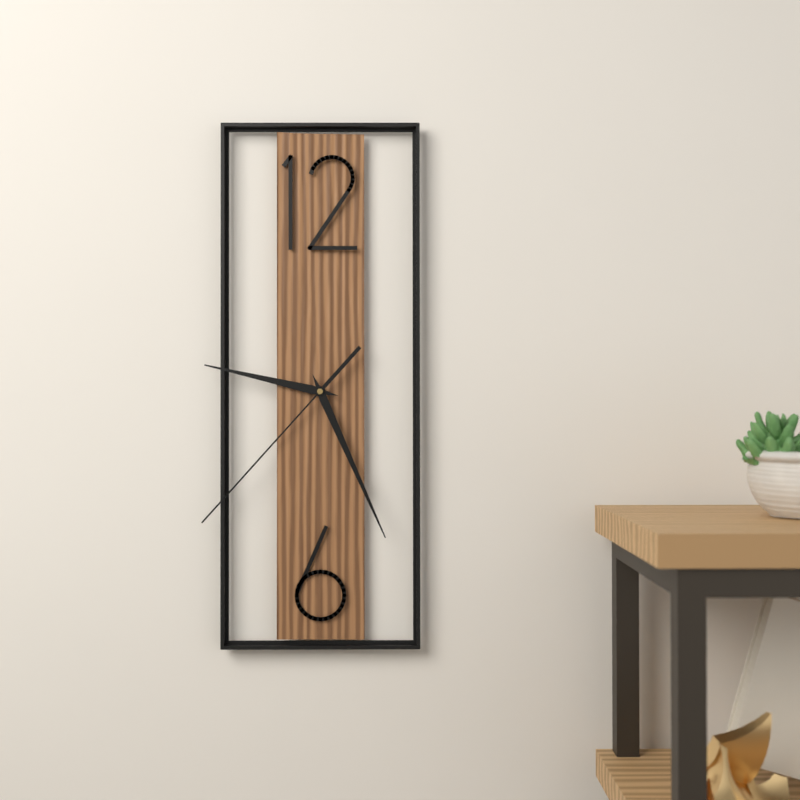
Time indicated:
9h26m37s
